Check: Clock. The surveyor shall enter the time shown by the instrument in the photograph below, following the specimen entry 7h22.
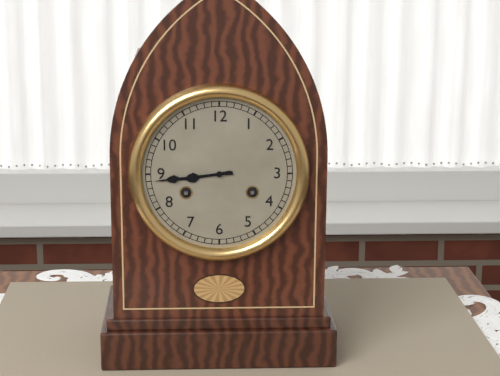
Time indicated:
8h44
